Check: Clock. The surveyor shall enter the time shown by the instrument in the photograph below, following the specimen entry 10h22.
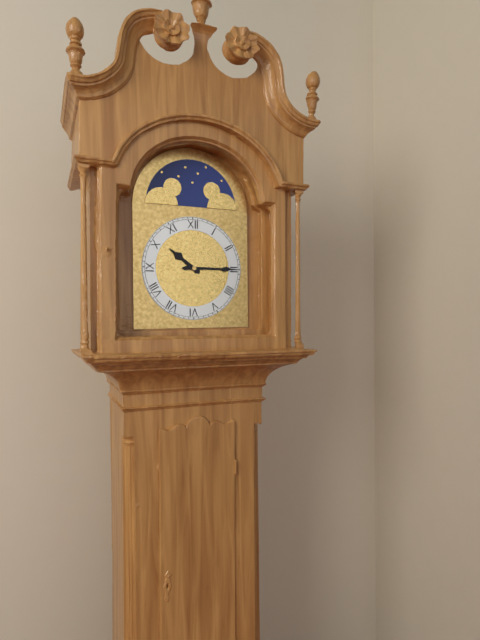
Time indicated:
10h15
